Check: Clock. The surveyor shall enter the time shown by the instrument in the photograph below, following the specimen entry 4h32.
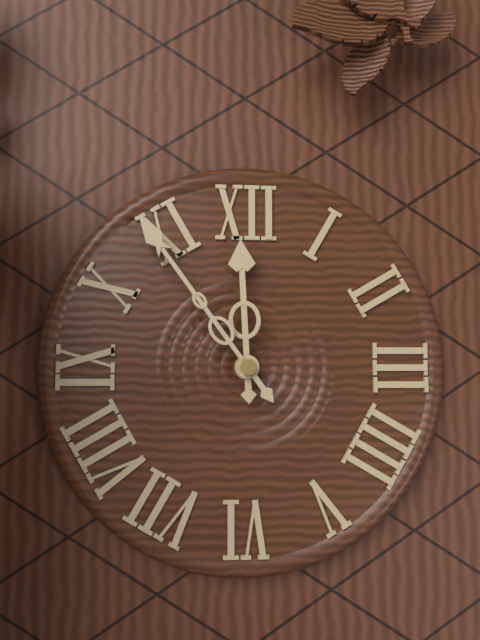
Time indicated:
11h54
